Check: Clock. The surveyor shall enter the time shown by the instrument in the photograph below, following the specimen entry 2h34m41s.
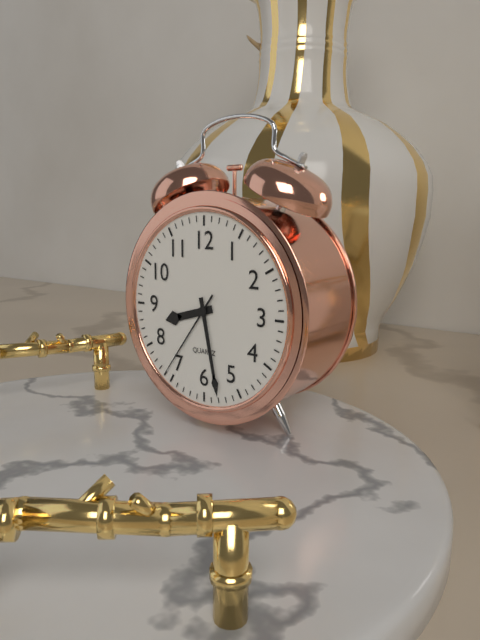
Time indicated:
8h28m36s
